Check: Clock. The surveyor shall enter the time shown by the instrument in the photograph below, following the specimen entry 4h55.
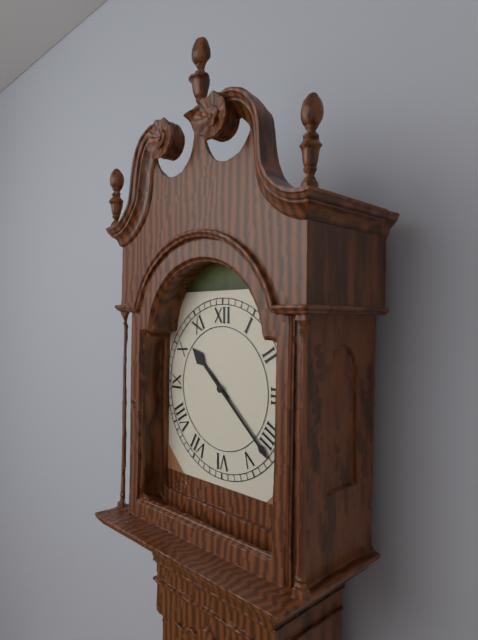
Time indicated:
10h22
